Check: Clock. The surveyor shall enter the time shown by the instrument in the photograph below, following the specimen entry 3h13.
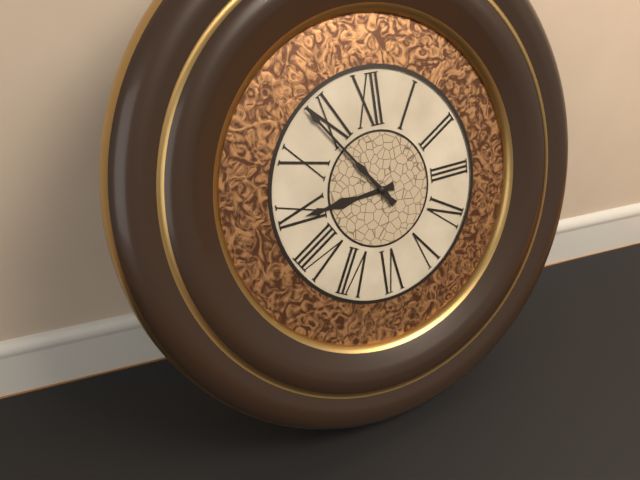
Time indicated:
8h54
